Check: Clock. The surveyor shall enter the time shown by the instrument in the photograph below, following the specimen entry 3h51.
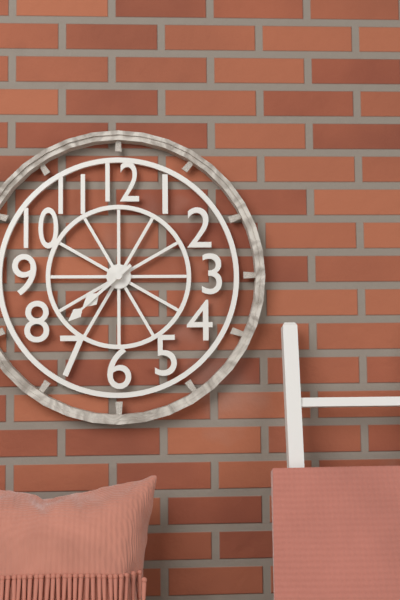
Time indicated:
7h38
